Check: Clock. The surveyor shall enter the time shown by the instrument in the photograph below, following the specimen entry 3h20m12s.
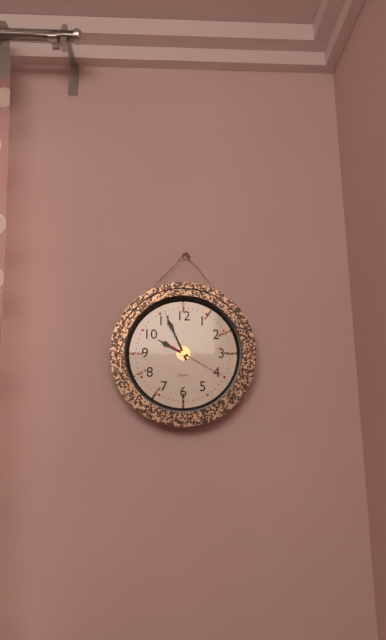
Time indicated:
9h56m20s
